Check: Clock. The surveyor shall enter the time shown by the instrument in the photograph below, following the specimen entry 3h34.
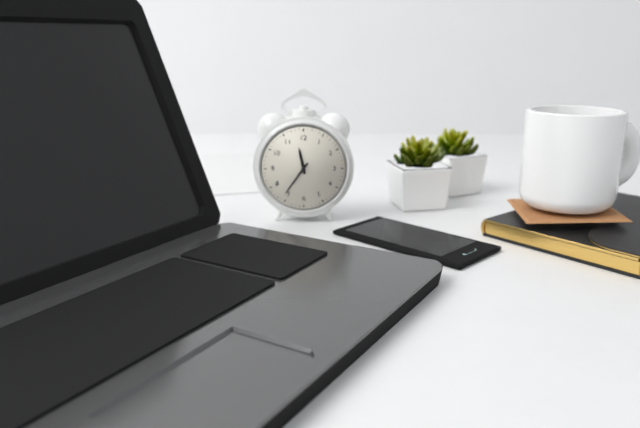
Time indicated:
11h36
